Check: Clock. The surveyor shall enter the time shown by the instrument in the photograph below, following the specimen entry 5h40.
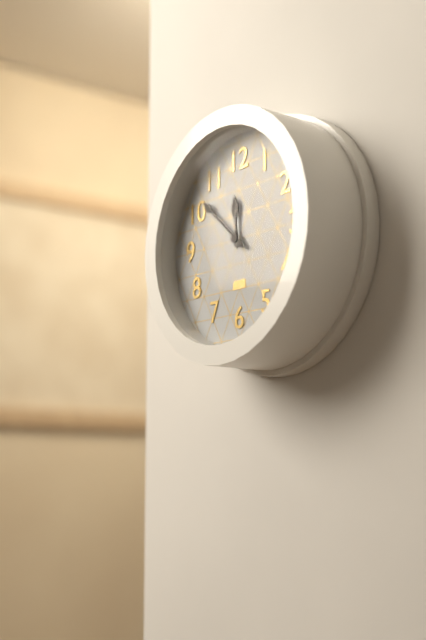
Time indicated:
11h52
